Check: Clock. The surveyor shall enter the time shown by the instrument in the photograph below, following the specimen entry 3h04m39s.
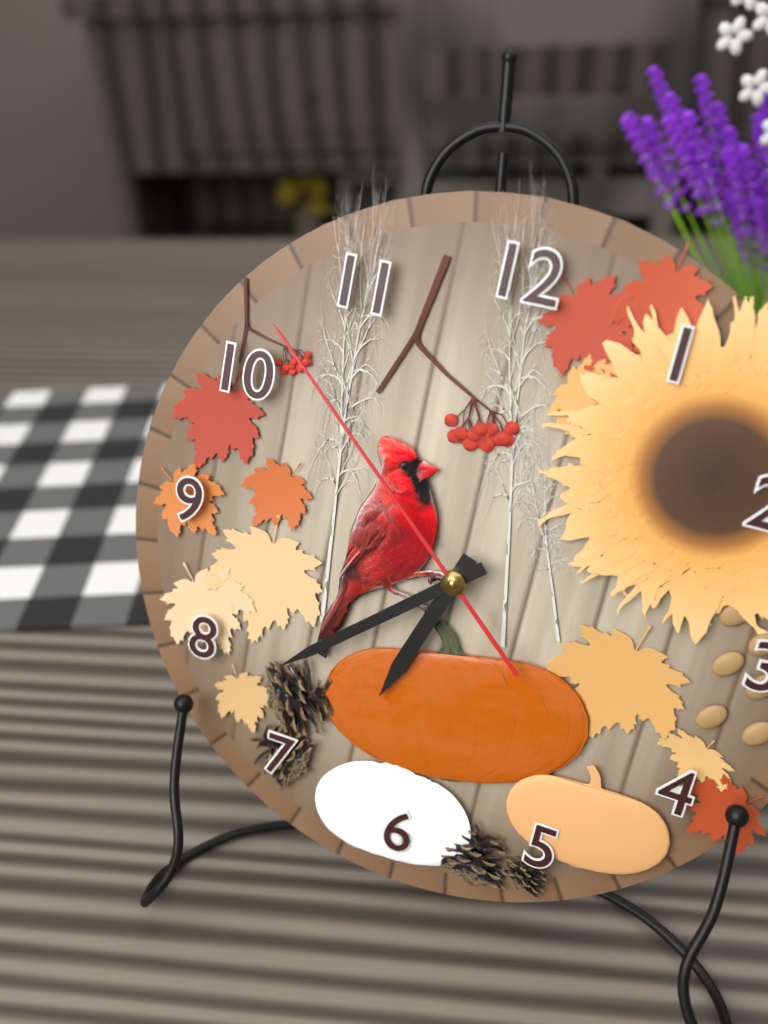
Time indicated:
6h38m52s
